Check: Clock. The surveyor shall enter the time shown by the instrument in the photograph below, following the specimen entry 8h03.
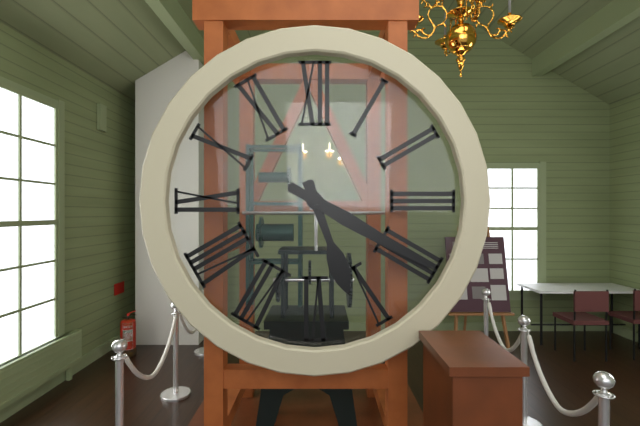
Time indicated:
5h20
